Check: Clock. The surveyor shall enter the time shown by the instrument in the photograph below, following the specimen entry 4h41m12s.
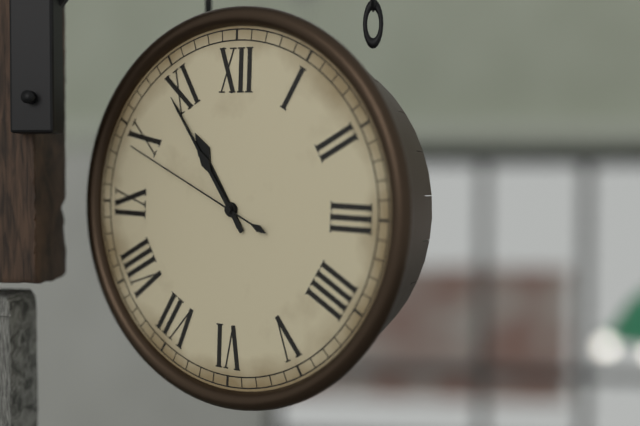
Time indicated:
10h54m49s
